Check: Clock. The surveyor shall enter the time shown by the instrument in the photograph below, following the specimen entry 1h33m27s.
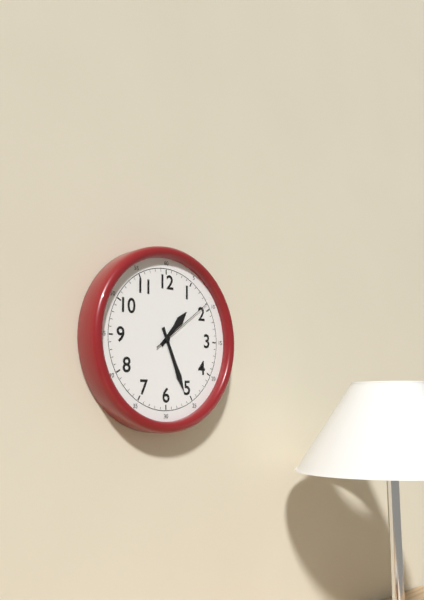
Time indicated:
1h26m09s
